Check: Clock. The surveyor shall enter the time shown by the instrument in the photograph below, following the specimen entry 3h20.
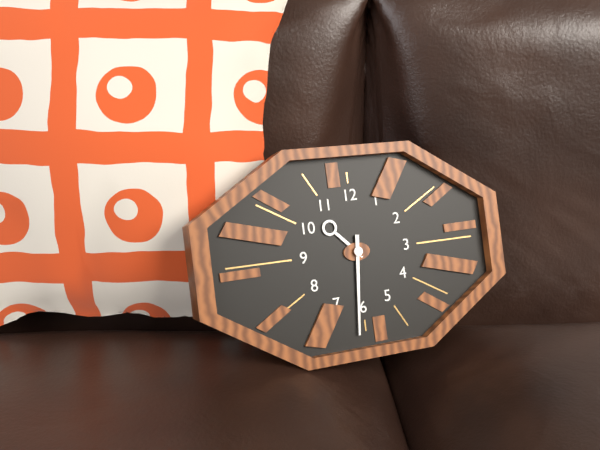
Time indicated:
10h31
